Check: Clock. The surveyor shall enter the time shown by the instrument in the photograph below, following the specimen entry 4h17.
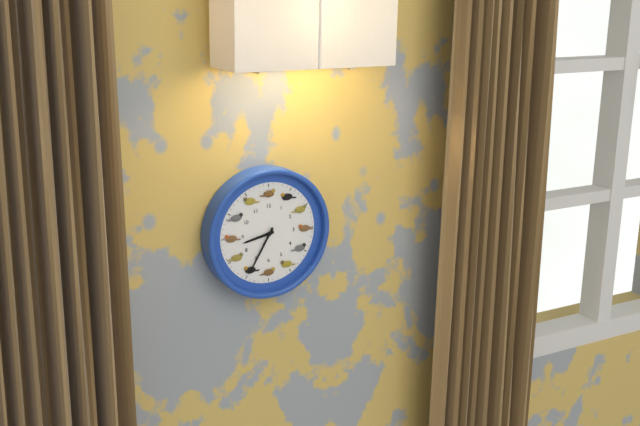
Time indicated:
8h35
